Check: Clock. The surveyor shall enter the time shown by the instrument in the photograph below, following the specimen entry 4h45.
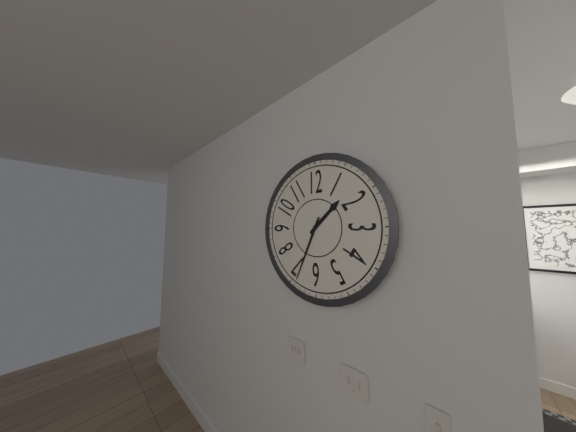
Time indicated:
1h34
